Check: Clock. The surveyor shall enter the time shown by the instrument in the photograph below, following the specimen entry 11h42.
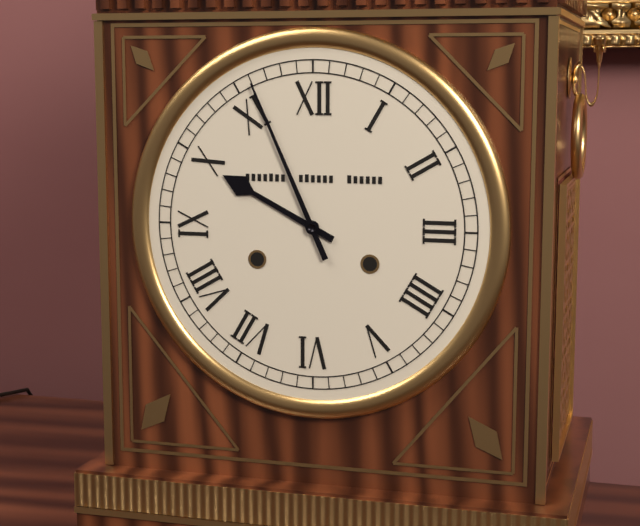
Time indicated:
9h56
